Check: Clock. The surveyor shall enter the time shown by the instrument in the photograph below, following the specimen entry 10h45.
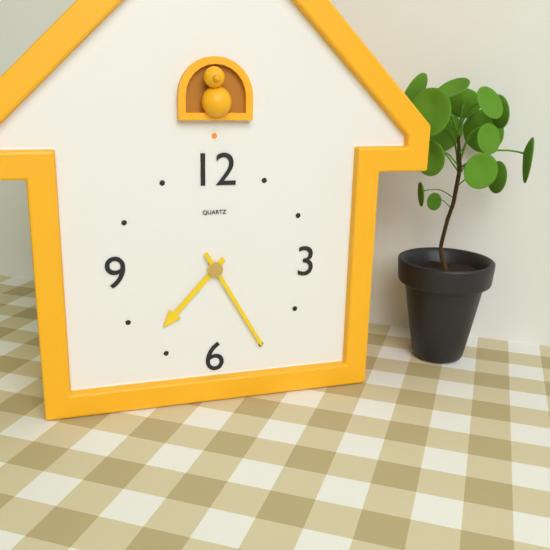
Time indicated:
7h25
